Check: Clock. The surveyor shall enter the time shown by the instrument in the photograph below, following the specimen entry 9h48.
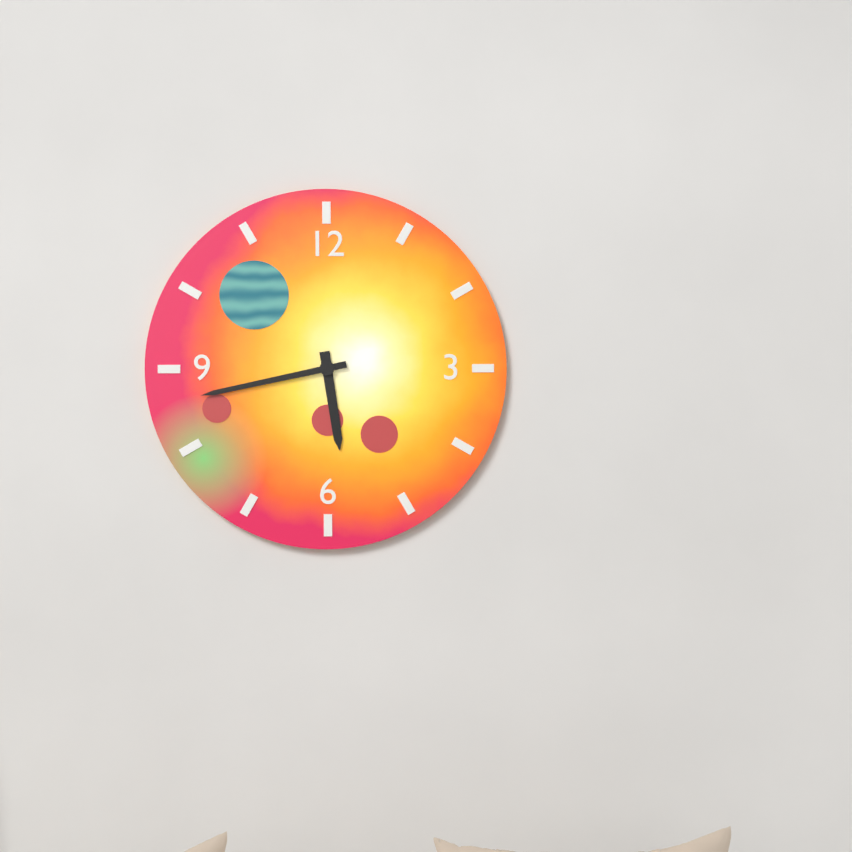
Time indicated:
5h43
